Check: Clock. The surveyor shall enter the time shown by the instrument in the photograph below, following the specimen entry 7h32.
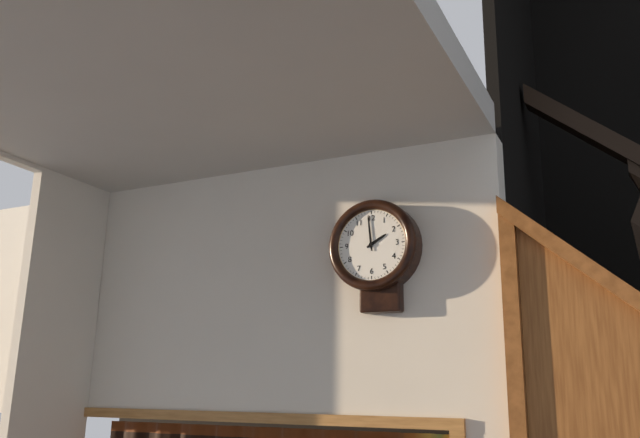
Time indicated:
1h59
